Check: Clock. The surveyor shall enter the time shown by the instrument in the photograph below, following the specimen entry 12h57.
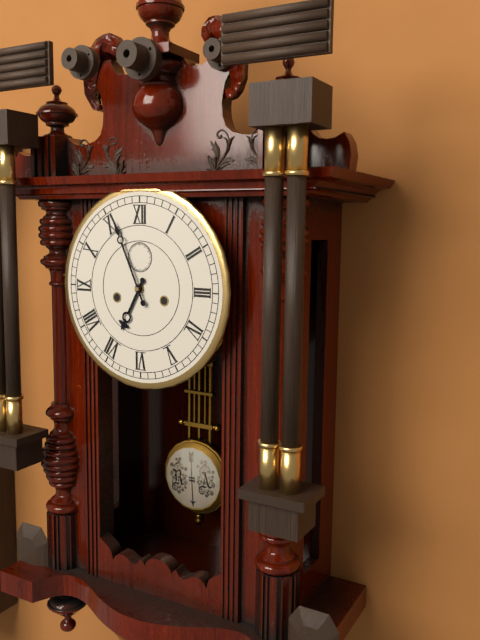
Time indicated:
6h56
